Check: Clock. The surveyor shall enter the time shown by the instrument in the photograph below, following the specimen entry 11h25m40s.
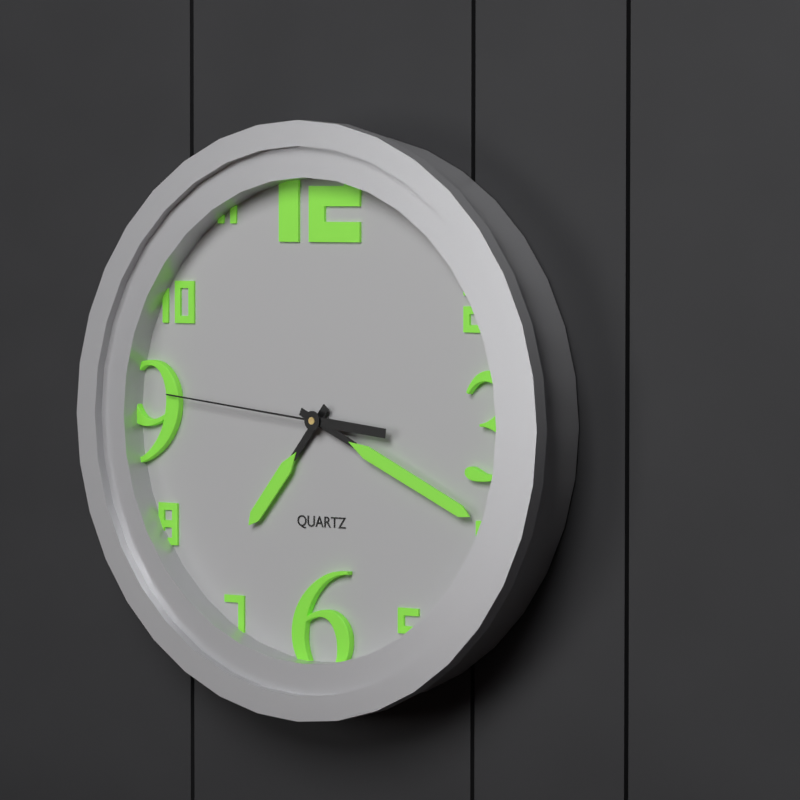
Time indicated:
7h19m46s
